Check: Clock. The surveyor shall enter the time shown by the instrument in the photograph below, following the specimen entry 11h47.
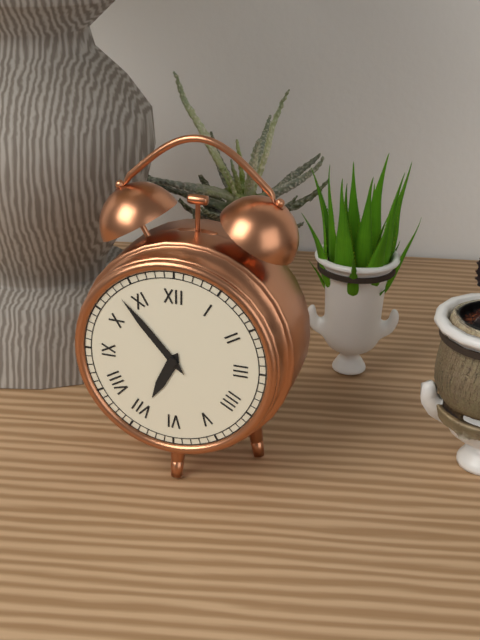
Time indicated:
6h53
